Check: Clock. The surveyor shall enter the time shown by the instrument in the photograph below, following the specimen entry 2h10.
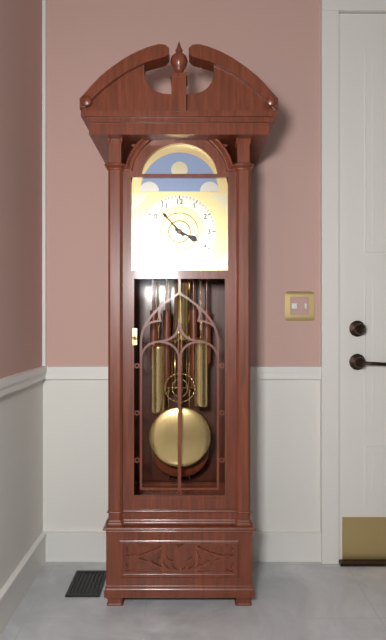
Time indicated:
3h53
